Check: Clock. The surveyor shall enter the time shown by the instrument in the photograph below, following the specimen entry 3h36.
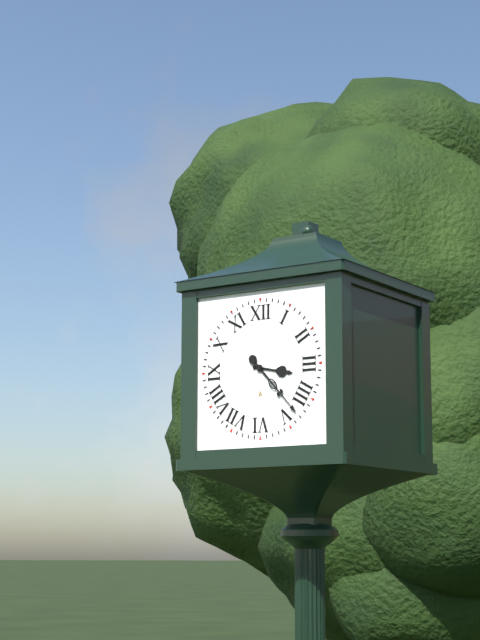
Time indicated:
3h23
